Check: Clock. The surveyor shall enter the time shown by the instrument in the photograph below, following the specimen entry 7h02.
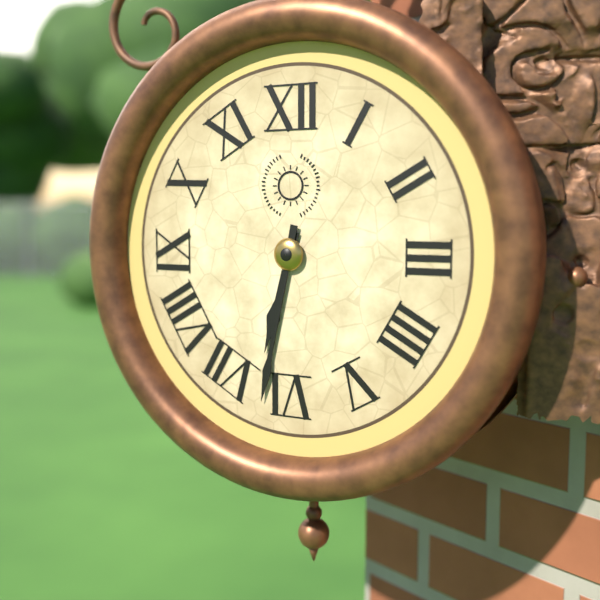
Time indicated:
6h32
